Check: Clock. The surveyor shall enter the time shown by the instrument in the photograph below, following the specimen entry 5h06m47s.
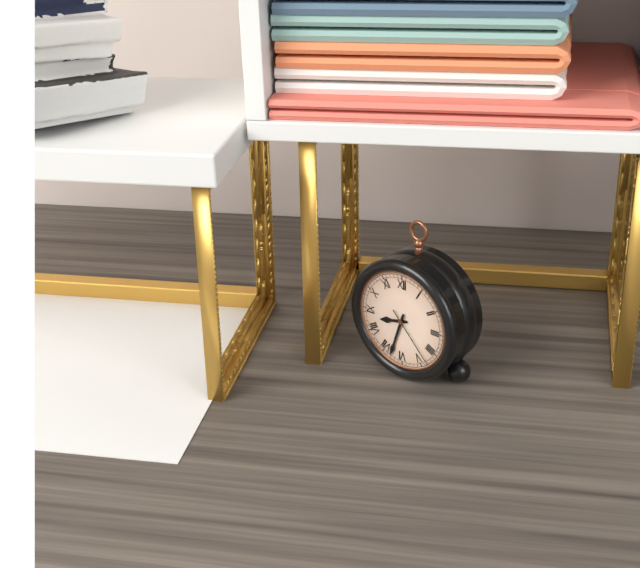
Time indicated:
8h33m23s
